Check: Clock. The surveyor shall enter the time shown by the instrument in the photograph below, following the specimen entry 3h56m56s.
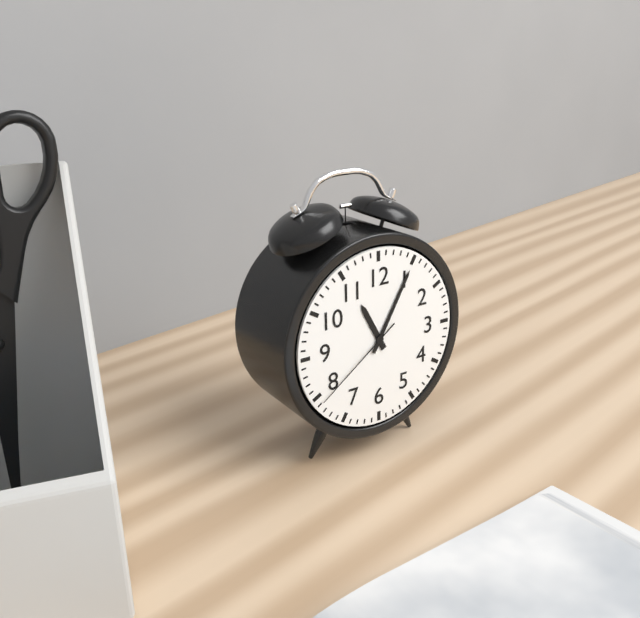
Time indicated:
11h05m39s
